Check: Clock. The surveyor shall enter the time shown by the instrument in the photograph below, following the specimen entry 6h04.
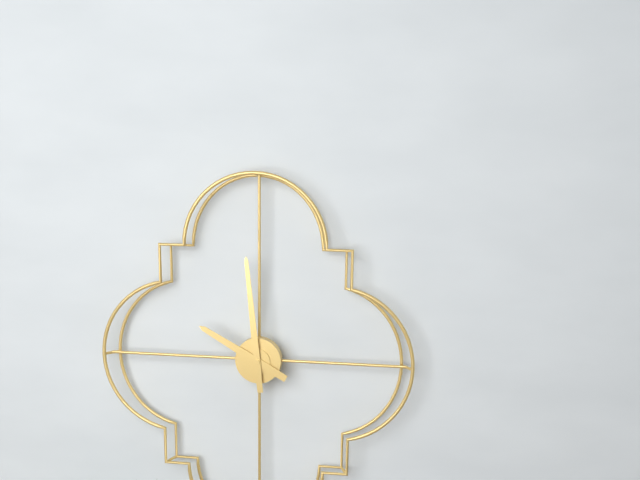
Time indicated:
9h59
